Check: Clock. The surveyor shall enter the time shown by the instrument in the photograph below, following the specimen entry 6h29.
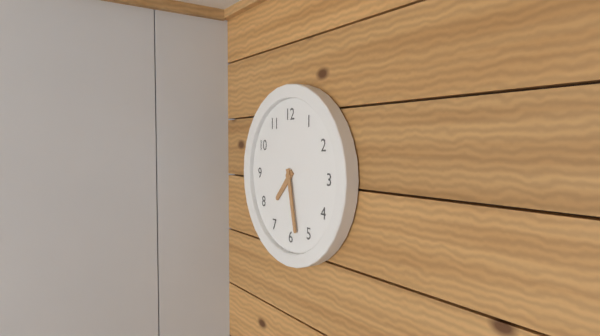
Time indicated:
7h28
